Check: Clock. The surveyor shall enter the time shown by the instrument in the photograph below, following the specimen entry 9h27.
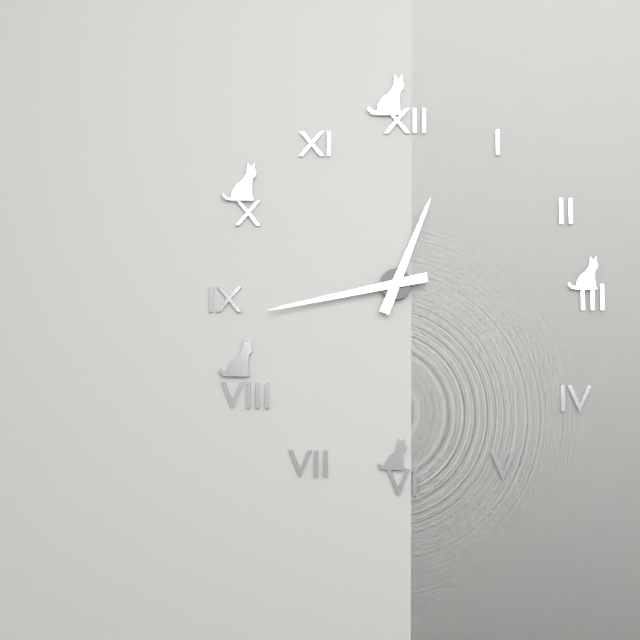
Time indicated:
12h43
